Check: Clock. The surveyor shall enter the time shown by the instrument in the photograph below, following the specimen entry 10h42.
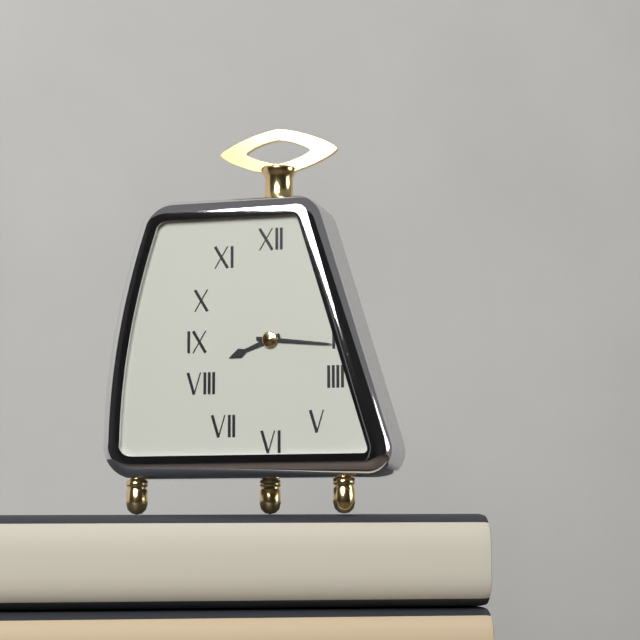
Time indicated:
8h16
